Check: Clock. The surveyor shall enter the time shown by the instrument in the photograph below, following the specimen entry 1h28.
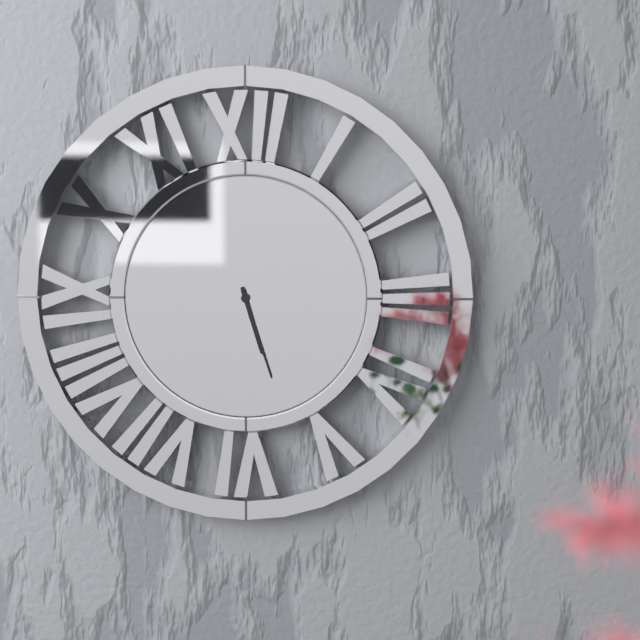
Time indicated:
5h27
